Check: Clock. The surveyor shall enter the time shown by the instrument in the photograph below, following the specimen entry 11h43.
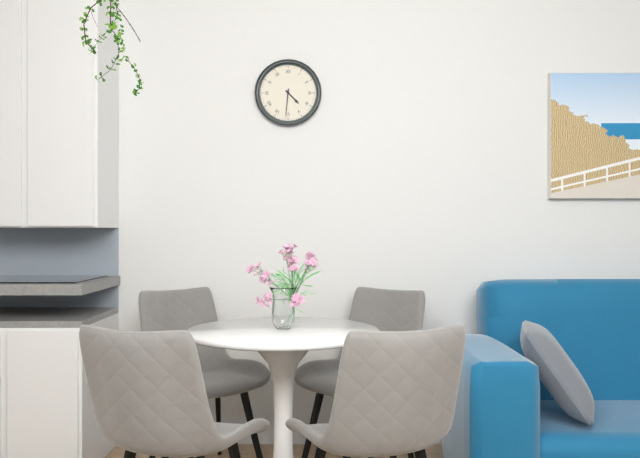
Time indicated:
4h31
